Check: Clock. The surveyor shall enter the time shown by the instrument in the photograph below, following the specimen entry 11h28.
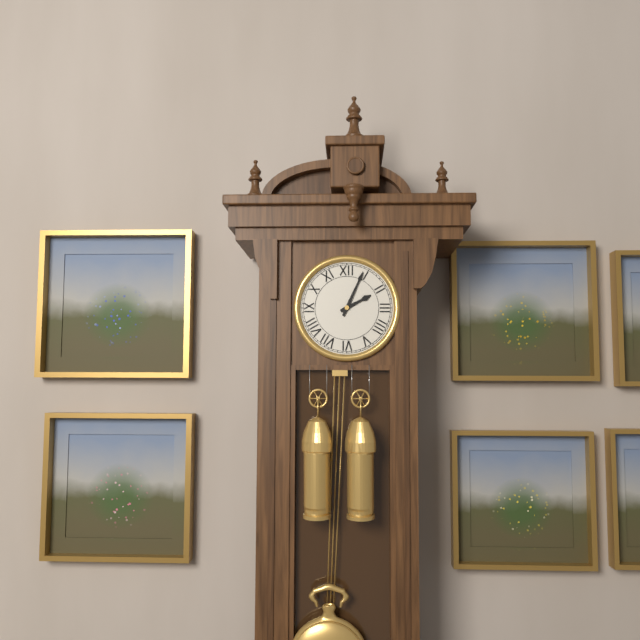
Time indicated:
2h04
